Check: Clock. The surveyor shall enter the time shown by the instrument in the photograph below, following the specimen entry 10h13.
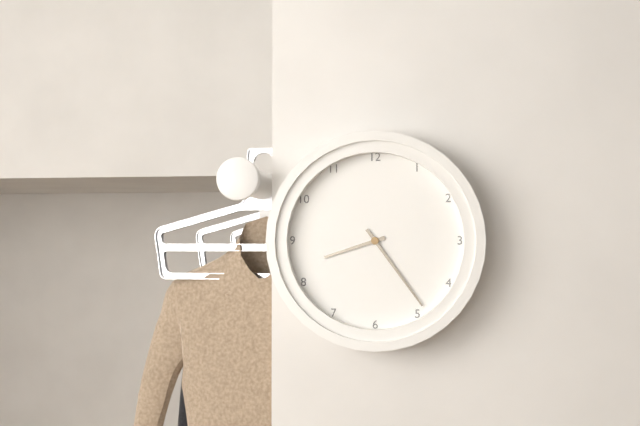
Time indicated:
8h24
